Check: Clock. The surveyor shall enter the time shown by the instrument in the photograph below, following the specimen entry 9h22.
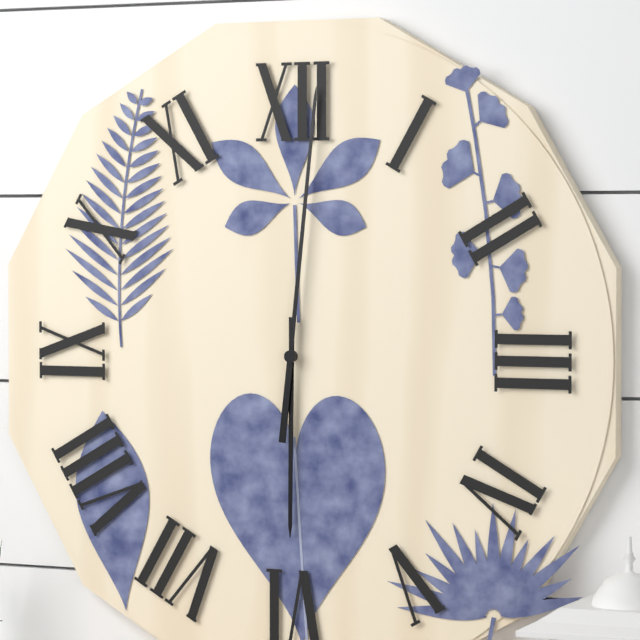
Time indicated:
6h01
